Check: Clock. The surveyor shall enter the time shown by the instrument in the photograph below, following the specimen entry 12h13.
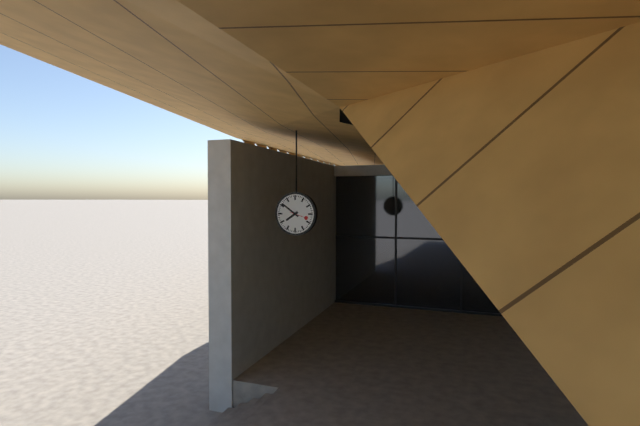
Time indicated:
7h51
